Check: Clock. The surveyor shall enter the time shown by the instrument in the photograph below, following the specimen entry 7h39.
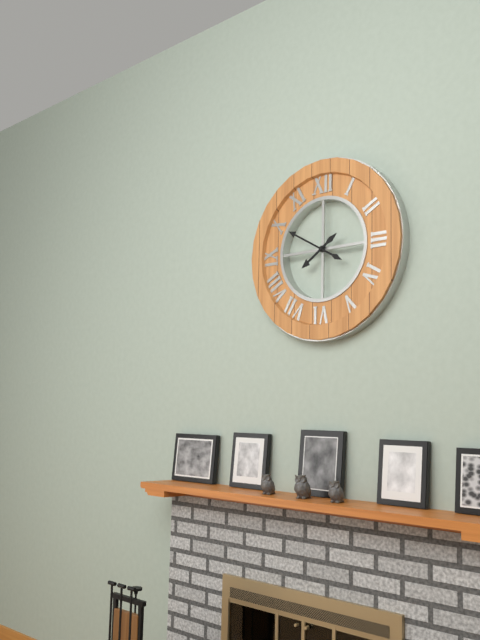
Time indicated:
7h50
